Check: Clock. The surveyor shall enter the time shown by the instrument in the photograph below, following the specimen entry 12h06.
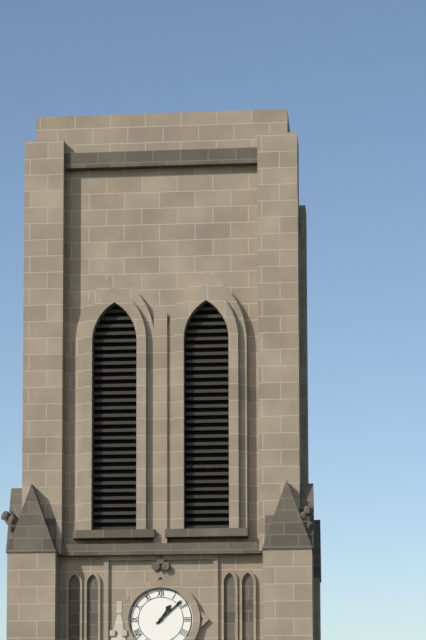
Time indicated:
1h08
